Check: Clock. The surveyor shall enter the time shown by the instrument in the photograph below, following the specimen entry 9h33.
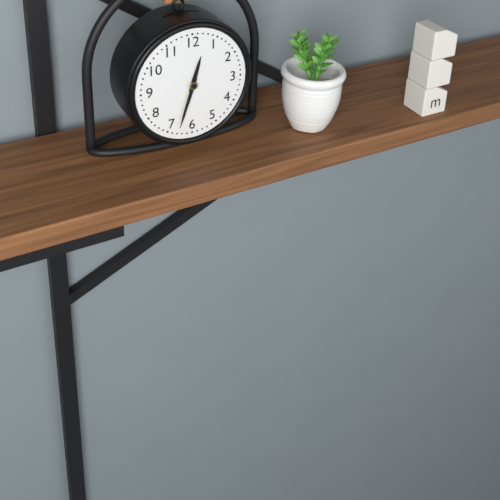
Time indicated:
12h33
